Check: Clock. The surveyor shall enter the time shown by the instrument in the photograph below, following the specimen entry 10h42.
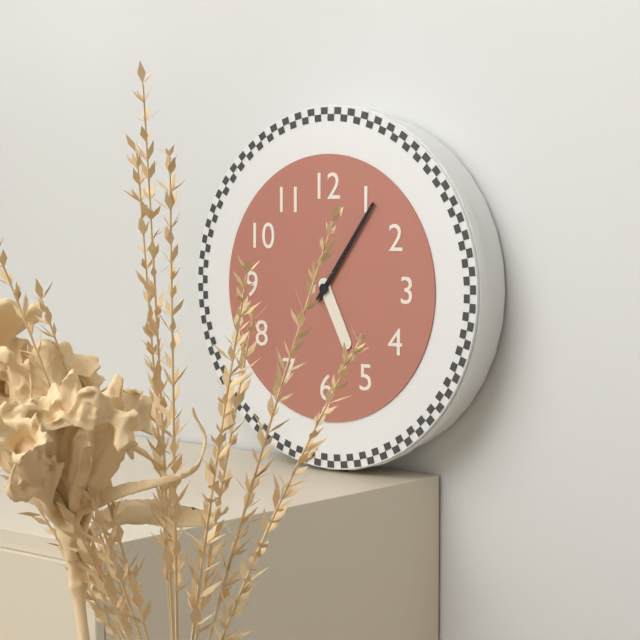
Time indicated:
5h06
